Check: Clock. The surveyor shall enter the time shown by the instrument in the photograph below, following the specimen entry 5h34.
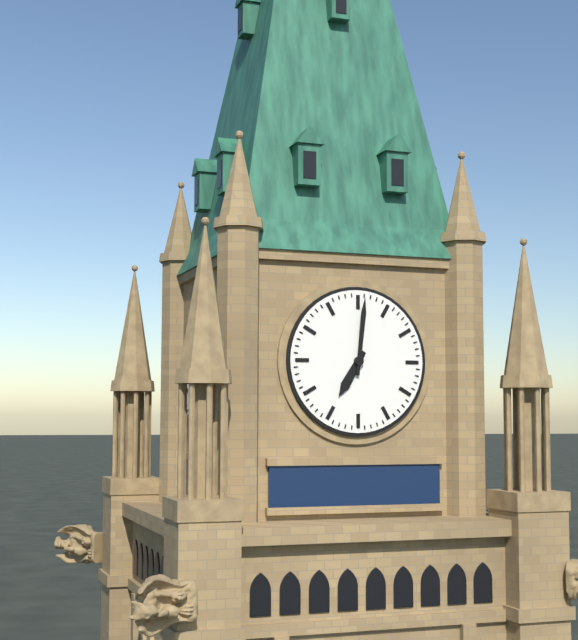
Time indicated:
7h01
